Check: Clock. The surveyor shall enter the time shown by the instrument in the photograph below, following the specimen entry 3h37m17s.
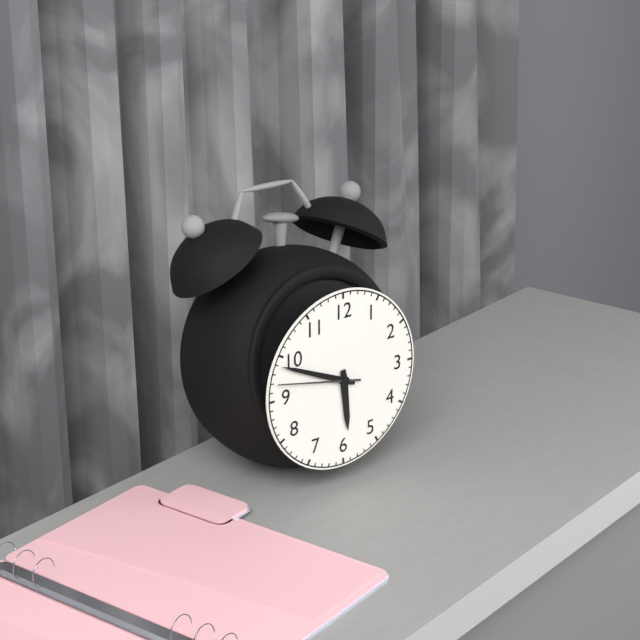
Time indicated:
5h49m47s
